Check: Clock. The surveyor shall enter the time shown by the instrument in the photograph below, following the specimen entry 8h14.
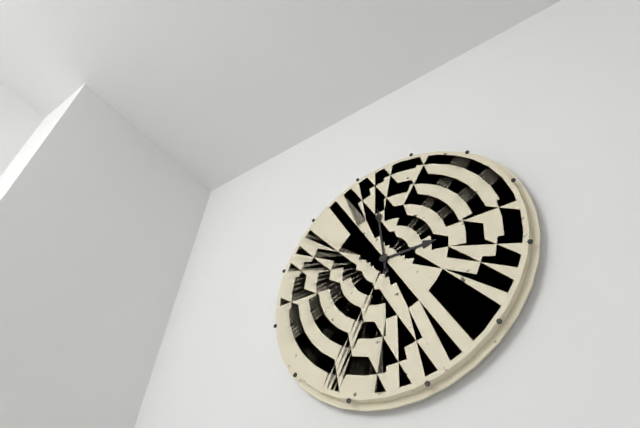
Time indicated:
2h59
